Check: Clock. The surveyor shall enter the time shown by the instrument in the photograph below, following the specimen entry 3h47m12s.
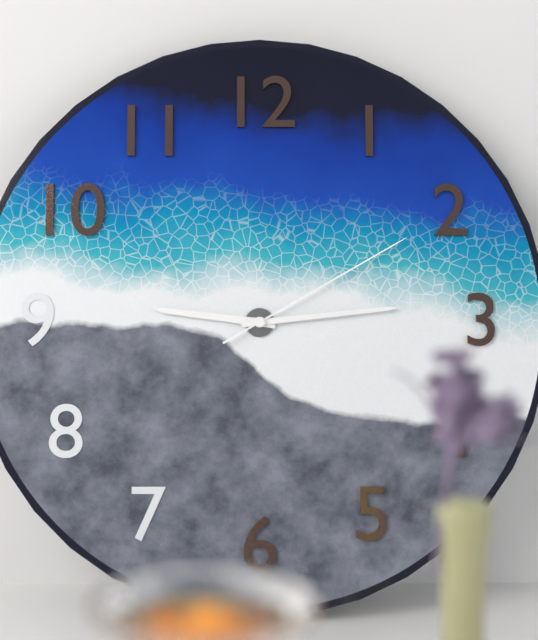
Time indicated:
9h14m10s
